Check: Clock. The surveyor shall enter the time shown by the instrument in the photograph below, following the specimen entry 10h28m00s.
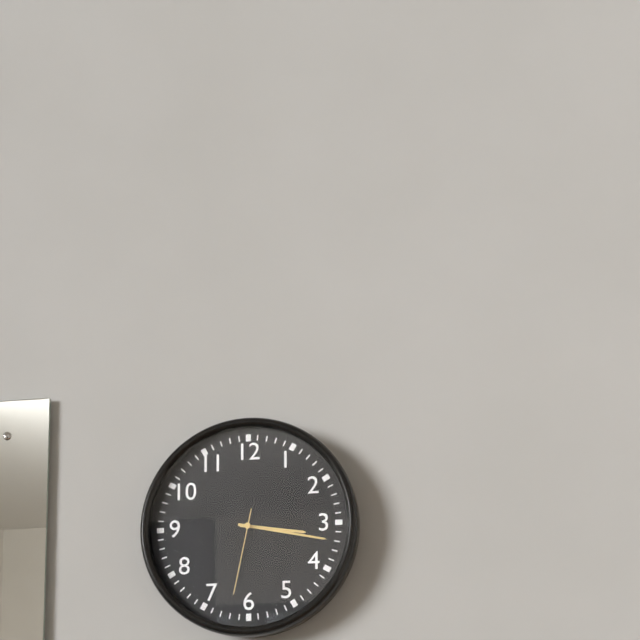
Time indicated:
3h17m32s
